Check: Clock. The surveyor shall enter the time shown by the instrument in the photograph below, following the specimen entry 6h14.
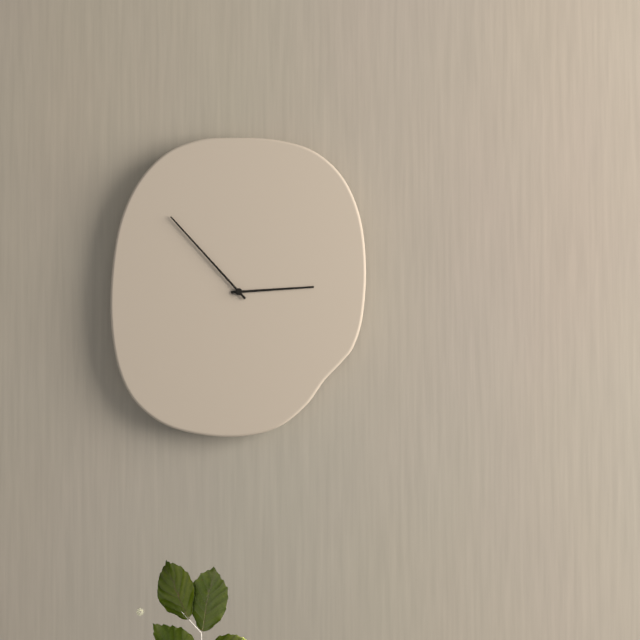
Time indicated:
2h53
